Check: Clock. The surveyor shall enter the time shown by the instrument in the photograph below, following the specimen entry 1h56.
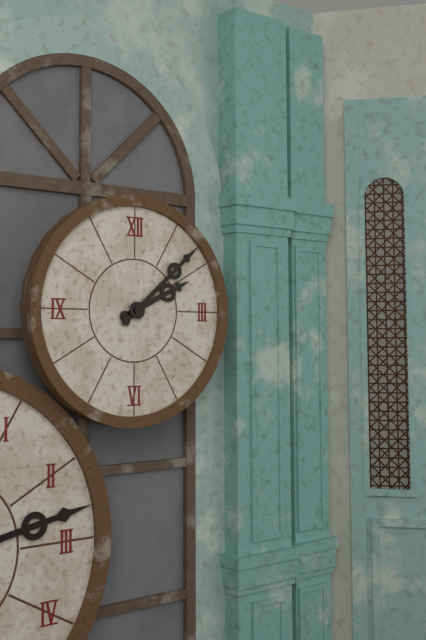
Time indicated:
2h08
